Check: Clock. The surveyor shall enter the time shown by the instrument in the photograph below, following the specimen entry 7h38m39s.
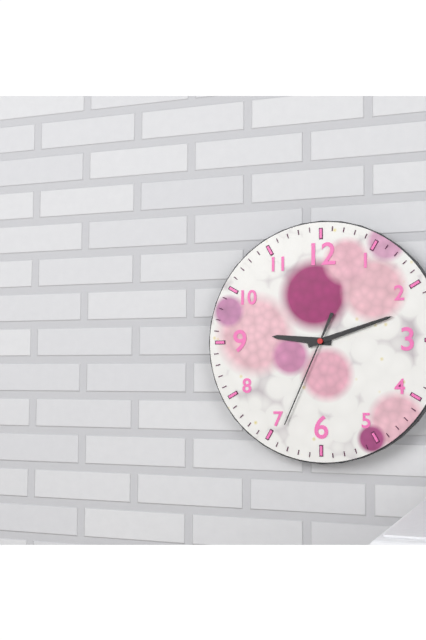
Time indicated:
9h12m34s
